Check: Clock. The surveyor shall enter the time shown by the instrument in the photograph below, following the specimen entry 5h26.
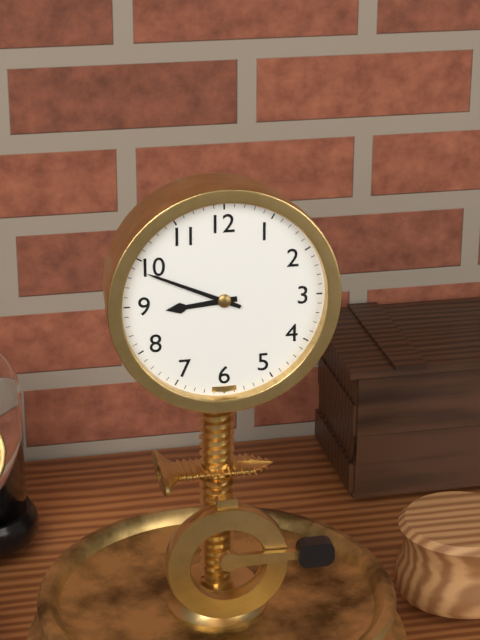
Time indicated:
8h49
